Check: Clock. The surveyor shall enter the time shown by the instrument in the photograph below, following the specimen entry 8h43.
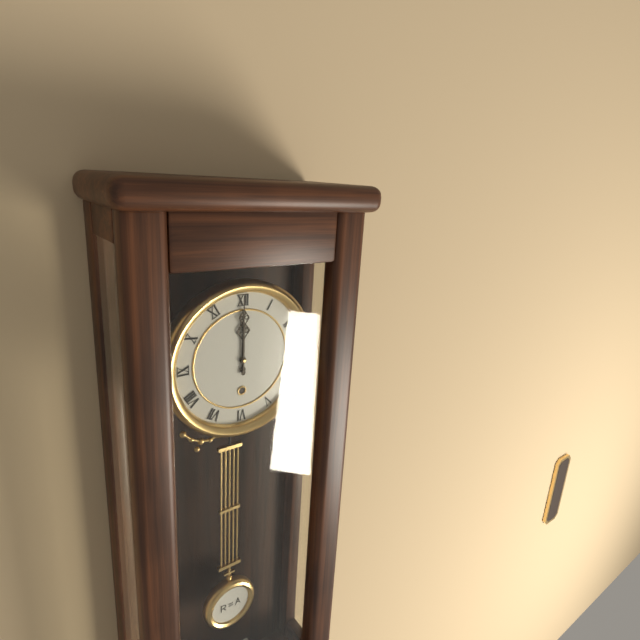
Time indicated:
12h00
